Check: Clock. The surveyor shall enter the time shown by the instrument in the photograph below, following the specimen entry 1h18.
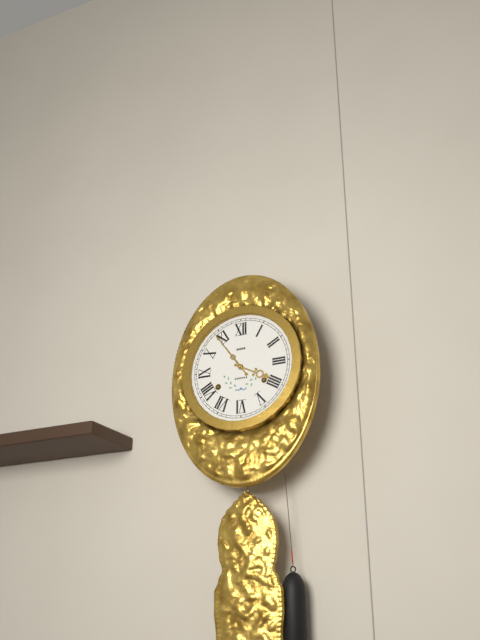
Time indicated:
3h54
